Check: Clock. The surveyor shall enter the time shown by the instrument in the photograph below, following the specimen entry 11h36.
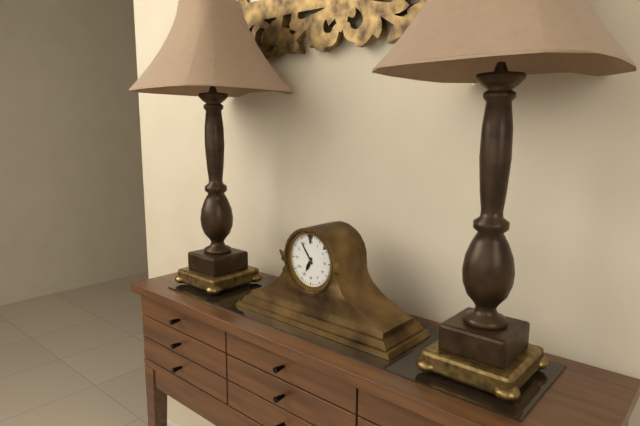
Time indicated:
6h54
